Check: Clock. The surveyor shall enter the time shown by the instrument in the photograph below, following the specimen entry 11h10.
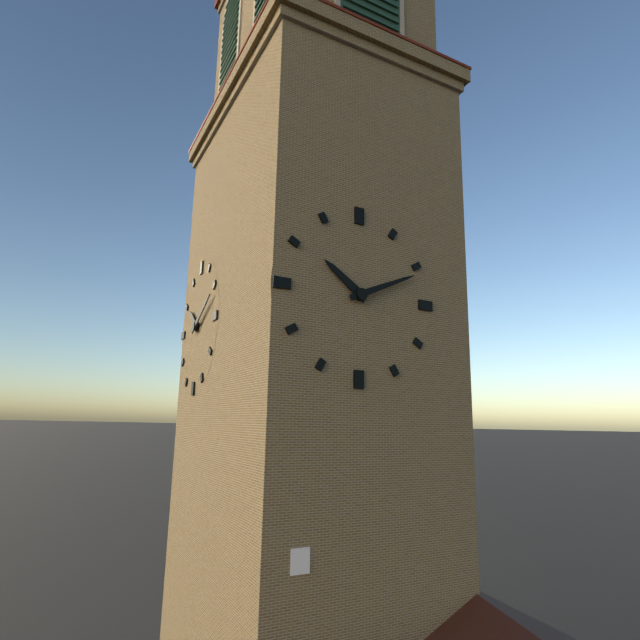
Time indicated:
10h11
